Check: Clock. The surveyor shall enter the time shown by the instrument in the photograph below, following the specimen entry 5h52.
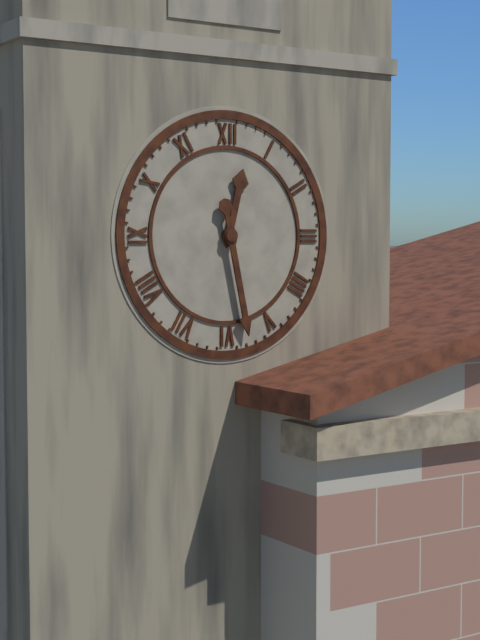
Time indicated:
12h28
